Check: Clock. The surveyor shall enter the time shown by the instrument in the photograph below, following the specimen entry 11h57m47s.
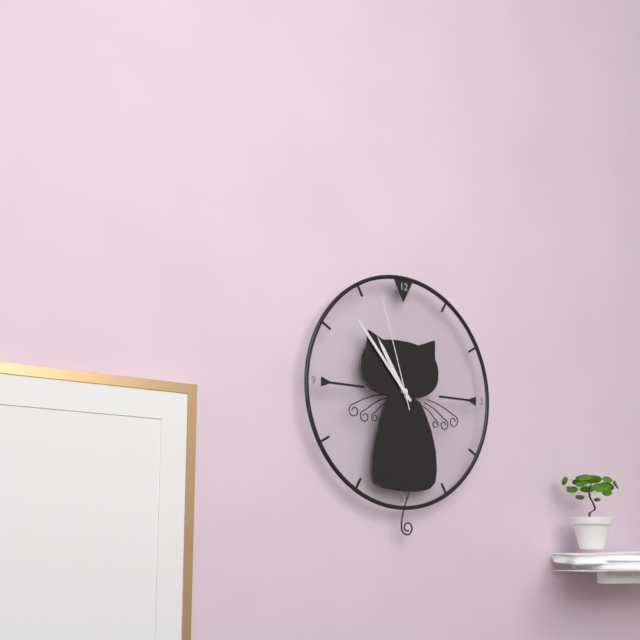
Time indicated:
10h53m57s
